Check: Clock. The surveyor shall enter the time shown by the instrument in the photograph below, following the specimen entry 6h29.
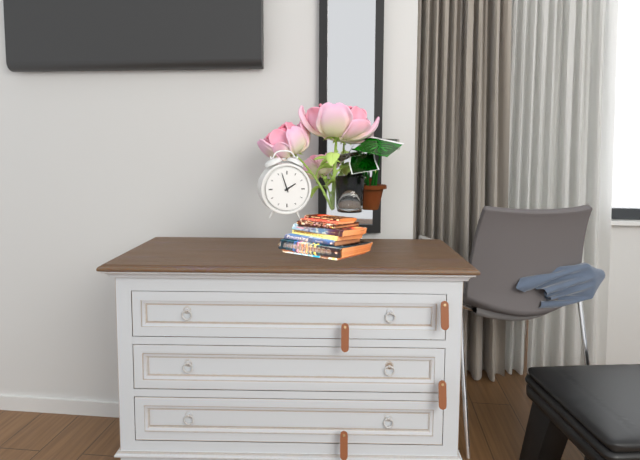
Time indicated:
1h57
